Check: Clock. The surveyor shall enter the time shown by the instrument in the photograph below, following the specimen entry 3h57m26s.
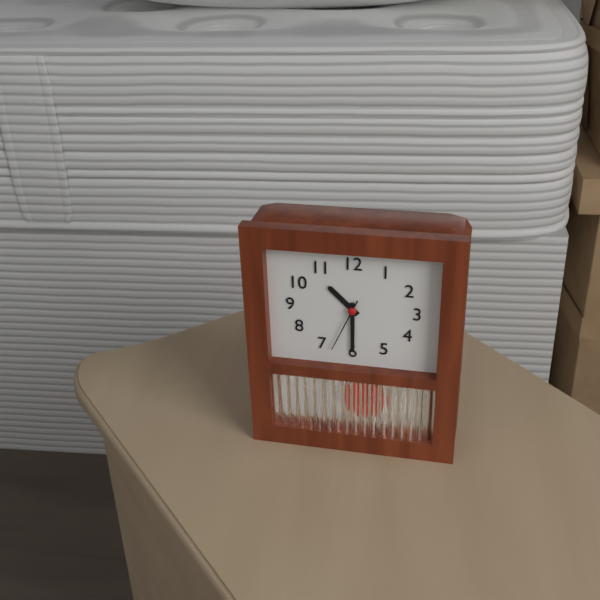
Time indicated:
10h30m34s
